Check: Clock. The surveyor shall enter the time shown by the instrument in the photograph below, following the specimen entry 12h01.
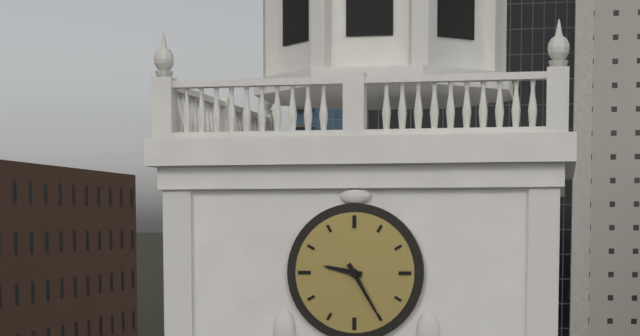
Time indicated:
9h25
